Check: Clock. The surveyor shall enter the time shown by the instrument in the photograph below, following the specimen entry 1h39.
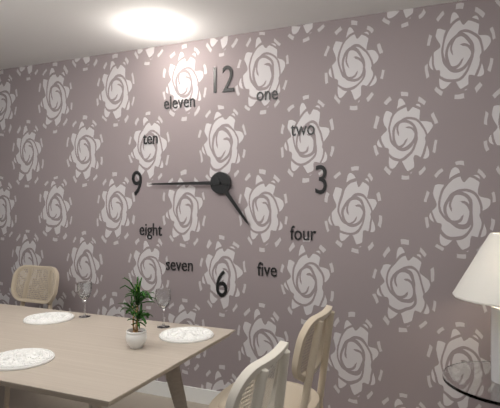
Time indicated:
4h45
